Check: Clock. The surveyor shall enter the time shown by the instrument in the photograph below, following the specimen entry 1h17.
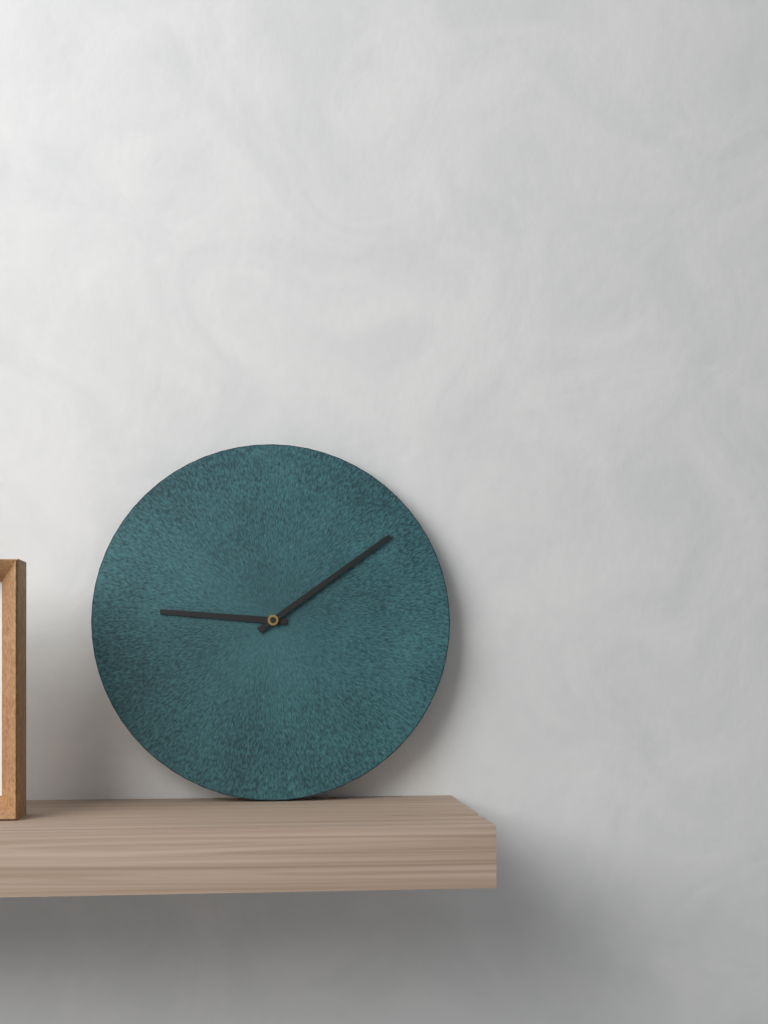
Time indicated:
9h09
